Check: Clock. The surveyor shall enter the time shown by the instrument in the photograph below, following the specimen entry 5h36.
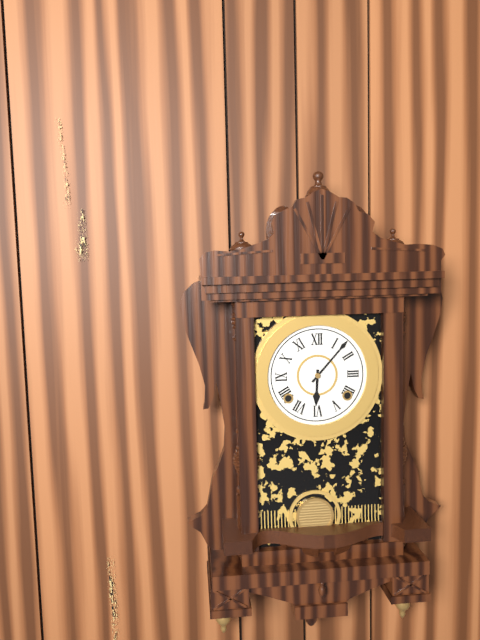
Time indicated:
6h07
